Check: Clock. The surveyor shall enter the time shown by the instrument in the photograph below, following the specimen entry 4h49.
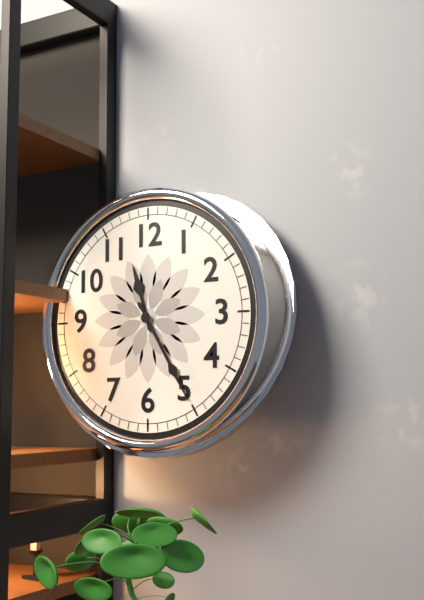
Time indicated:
11h25
